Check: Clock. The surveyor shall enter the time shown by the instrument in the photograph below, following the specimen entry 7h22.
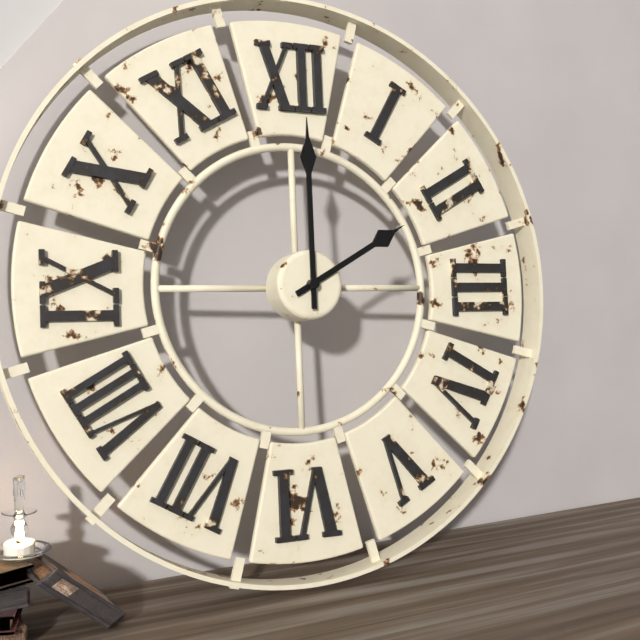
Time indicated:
2h00
